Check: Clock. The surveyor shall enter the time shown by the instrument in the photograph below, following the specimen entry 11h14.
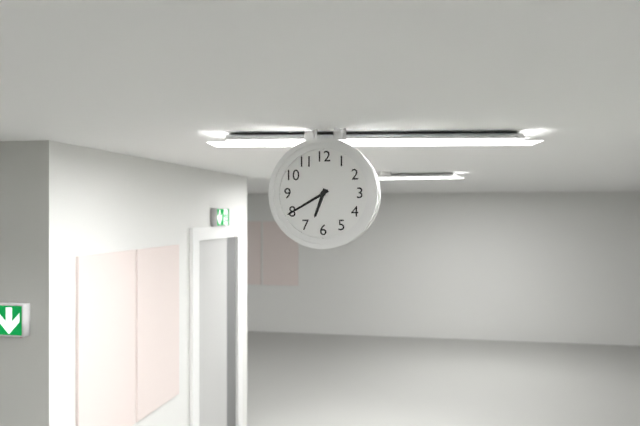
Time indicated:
6h40
